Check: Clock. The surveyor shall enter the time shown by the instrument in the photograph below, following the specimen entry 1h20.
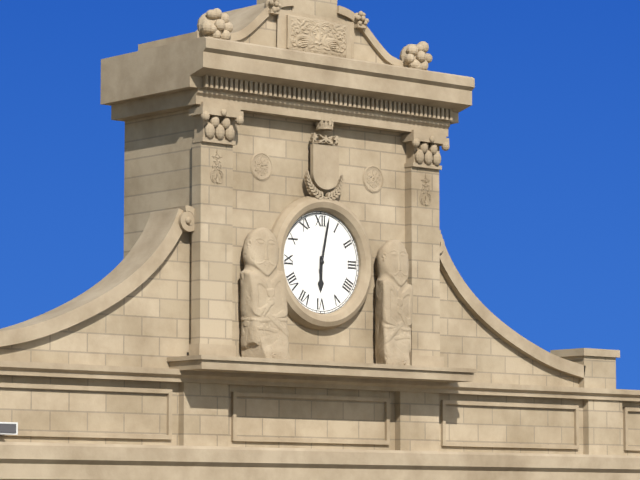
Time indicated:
6h02
